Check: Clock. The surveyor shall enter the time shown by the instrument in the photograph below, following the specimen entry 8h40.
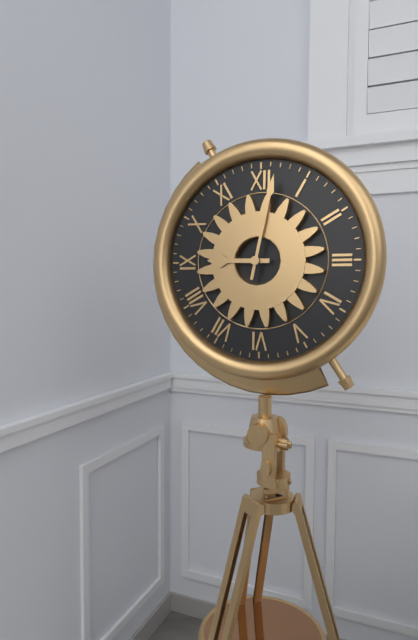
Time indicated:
9h02
